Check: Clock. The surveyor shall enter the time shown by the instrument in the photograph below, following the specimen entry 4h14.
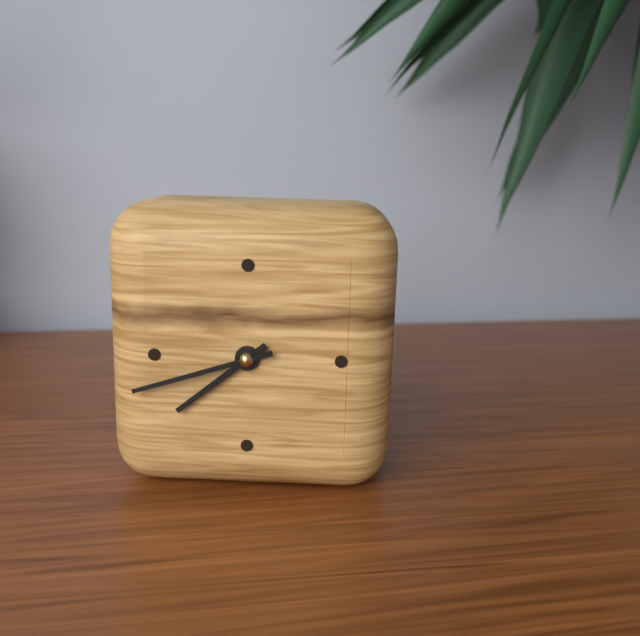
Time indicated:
7h42
